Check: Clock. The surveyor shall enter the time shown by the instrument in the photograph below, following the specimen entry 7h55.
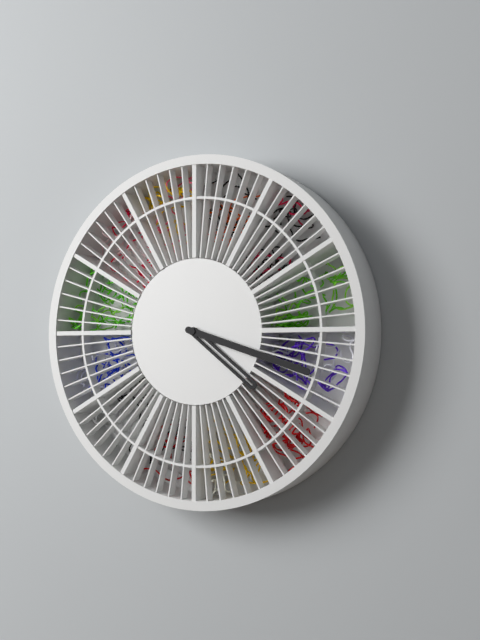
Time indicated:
4h18
